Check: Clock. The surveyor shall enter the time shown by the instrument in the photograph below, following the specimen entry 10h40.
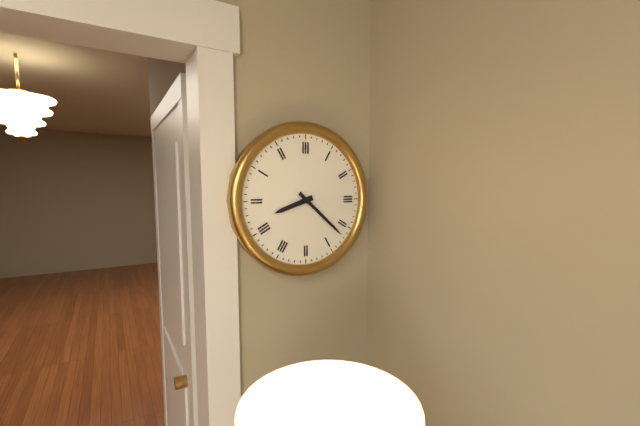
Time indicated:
8h22
